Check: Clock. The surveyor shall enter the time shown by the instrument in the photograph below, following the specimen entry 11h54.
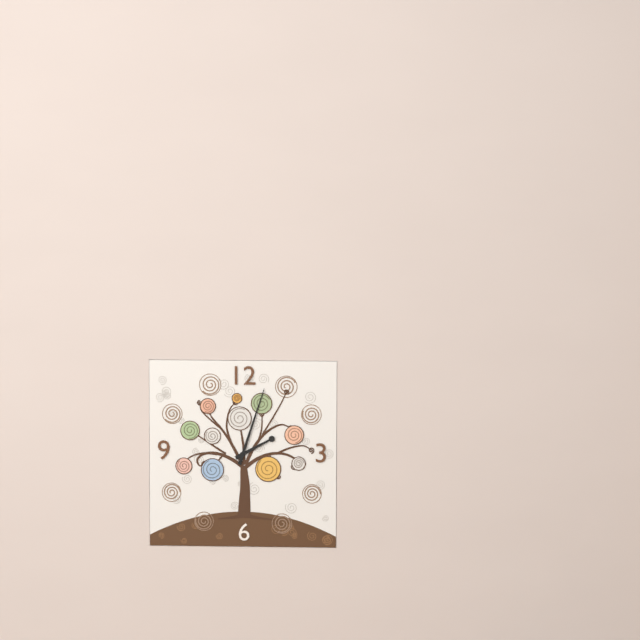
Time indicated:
2h03
